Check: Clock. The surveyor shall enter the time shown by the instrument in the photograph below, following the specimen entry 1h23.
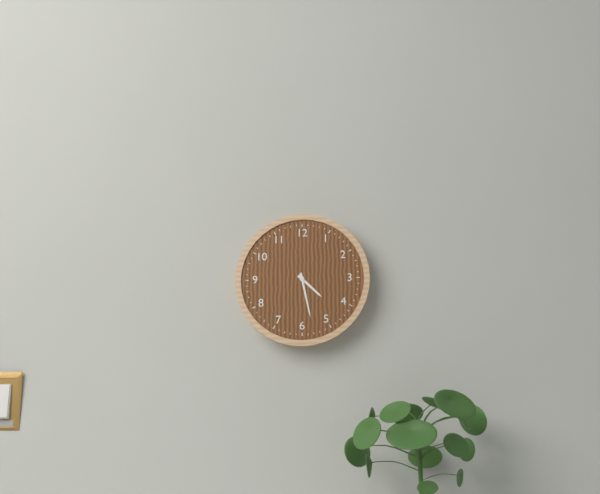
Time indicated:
4h28
